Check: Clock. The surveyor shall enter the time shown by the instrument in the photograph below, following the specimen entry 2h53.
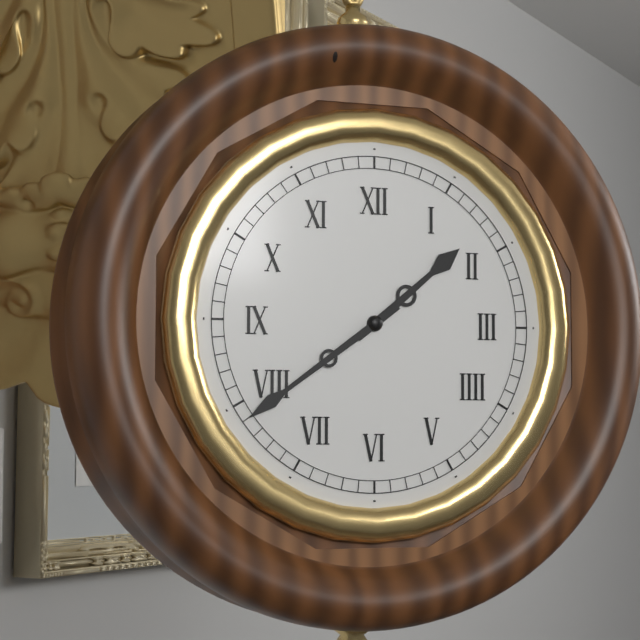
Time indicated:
1h39
